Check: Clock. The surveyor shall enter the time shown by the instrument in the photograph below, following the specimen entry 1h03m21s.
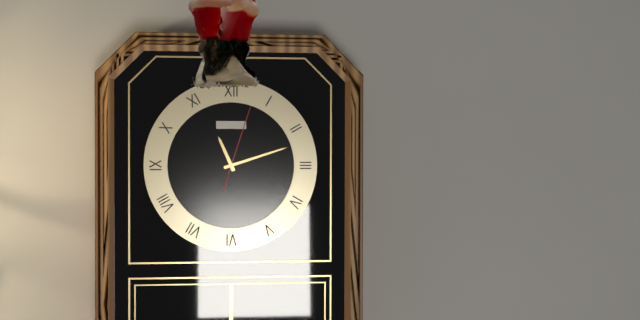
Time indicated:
11h12m03s
